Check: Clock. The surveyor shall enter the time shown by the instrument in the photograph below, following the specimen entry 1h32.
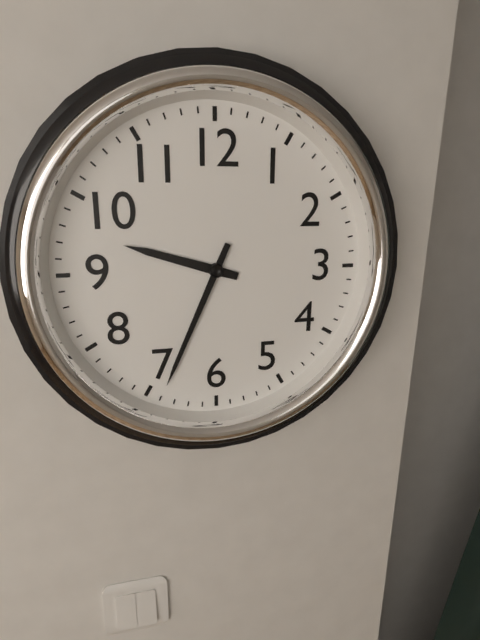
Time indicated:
9h34
